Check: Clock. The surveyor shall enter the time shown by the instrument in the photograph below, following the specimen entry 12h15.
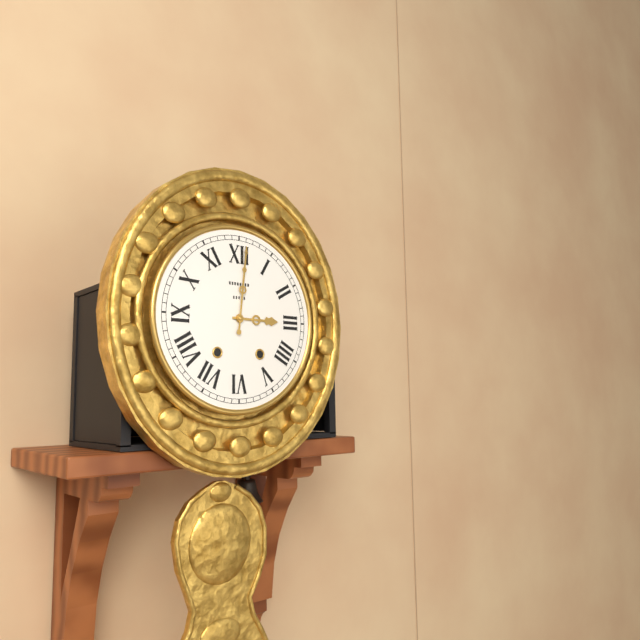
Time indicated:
3h01
